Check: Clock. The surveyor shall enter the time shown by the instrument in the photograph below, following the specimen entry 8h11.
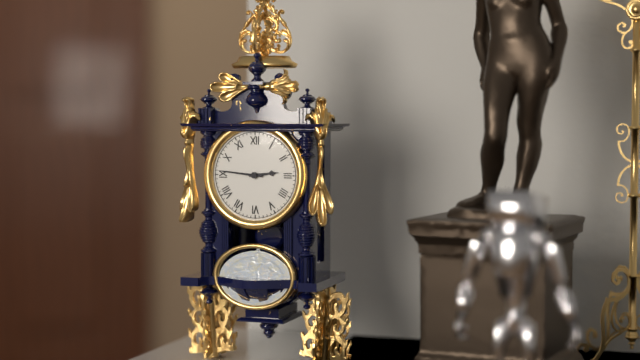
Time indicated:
2h46
